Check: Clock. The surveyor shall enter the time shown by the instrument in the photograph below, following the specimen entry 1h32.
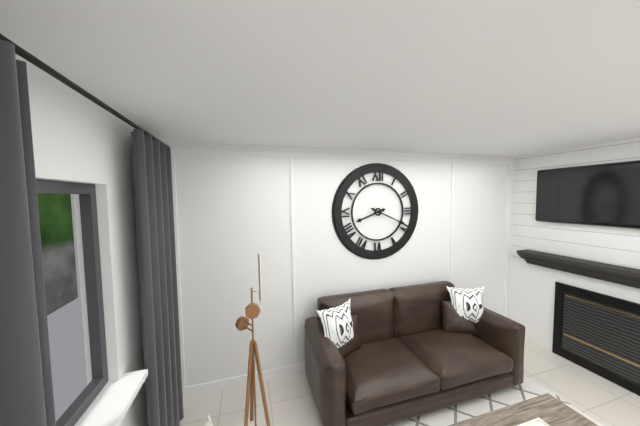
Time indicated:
8h19
